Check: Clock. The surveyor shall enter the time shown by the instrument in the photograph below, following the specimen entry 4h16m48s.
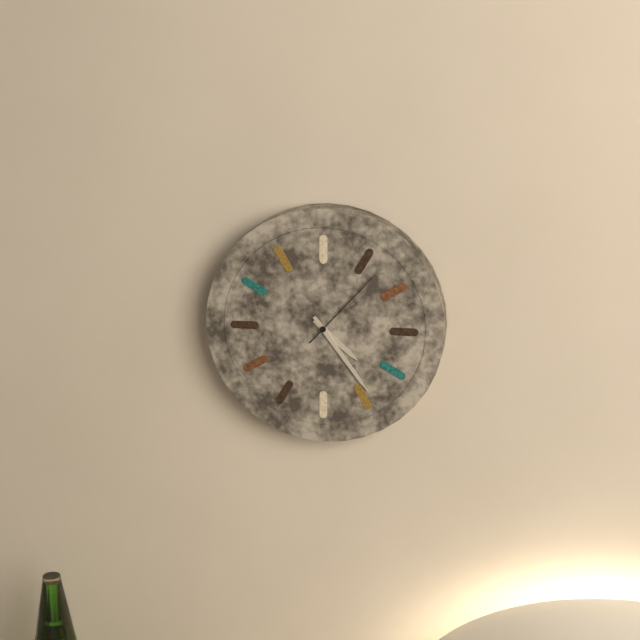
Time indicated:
4h24m07s
